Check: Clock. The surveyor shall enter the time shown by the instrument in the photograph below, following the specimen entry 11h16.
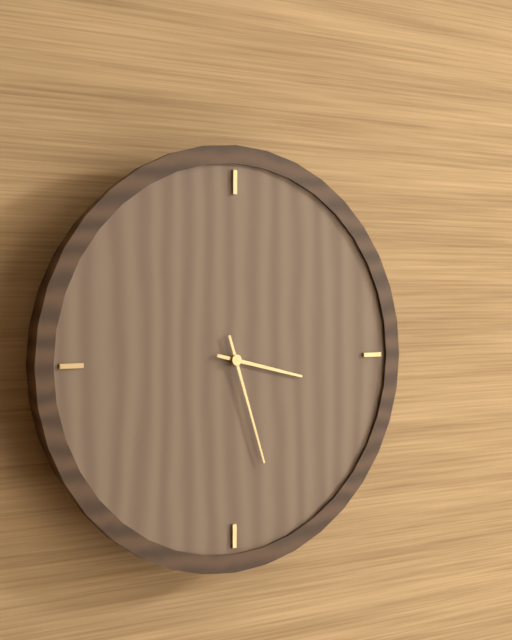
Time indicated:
3h27
